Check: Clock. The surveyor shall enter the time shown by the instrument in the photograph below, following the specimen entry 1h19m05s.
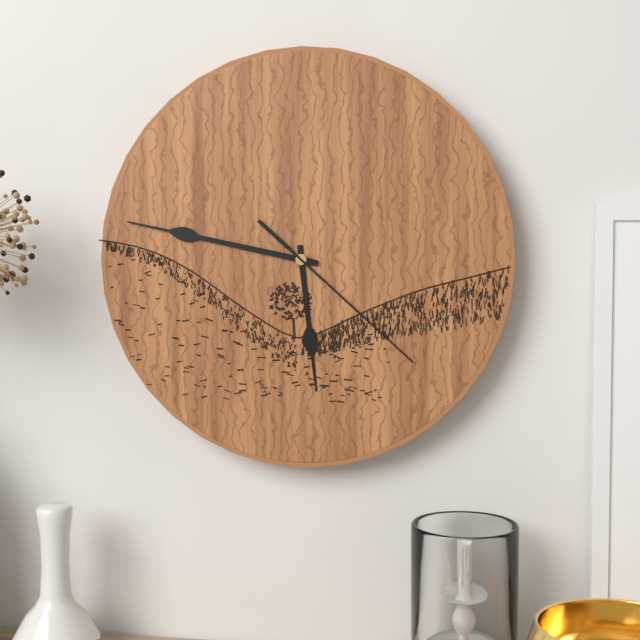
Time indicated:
5h47m22s
